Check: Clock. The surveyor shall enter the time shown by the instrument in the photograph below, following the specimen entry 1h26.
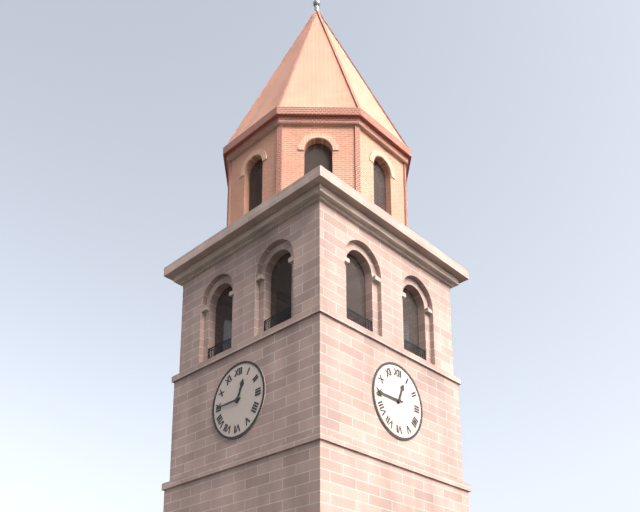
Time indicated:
12h45
